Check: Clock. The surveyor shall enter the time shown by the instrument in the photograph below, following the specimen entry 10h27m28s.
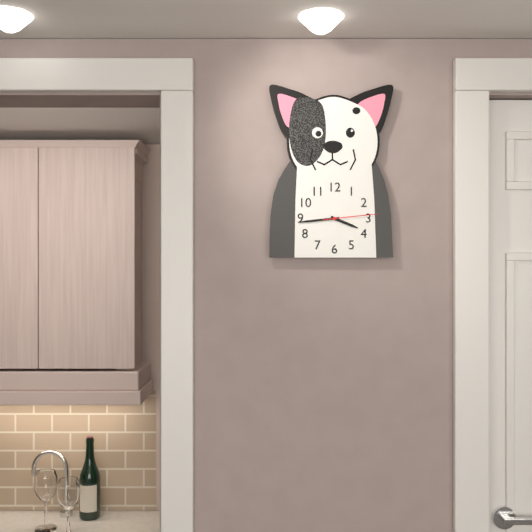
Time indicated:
3h44m14s
